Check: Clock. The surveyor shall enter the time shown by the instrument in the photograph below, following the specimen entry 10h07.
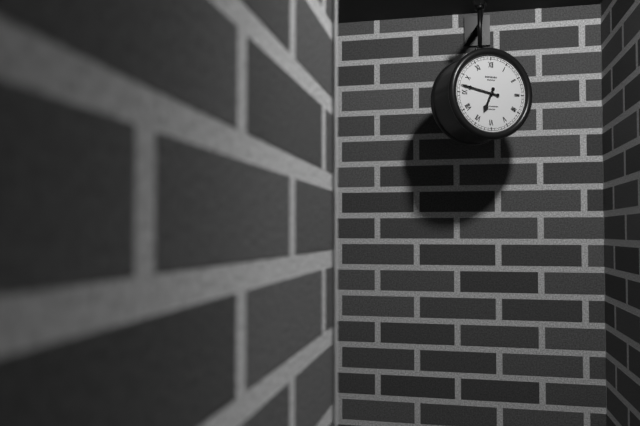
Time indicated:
6h47
